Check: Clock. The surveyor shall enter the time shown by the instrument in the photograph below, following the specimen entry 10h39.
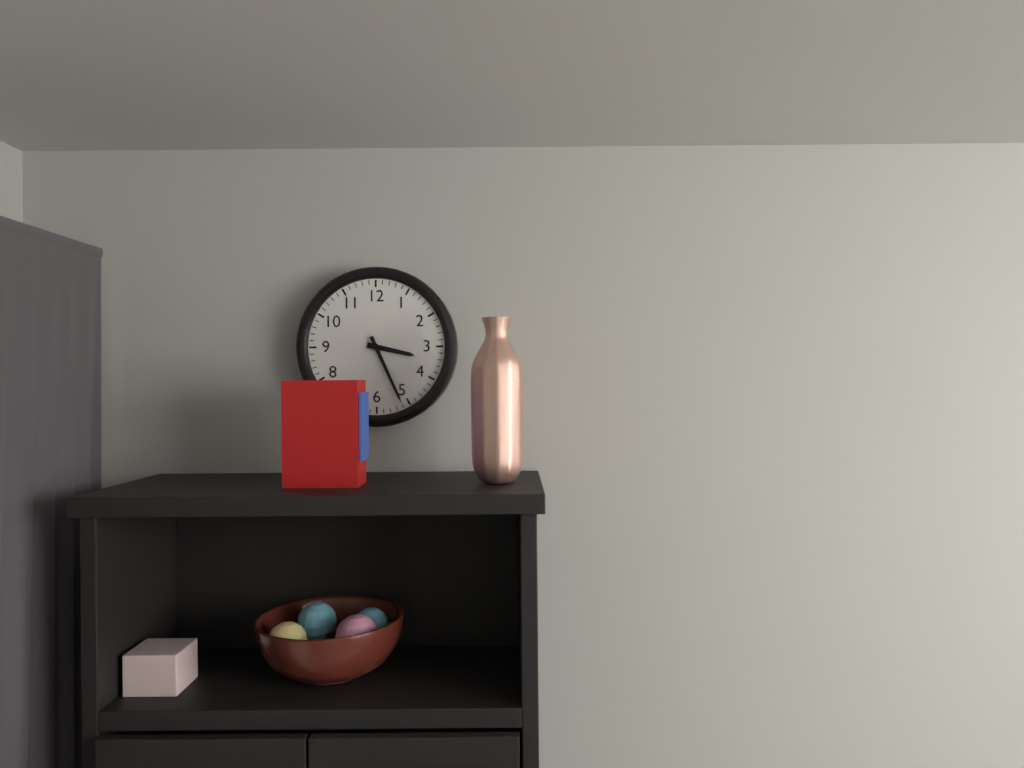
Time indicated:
3h26
